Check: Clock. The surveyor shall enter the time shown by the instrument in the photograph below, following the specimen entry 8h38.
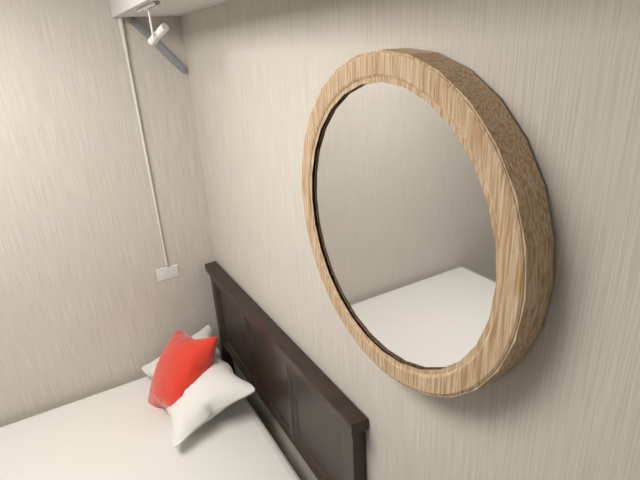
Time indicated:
5h45
